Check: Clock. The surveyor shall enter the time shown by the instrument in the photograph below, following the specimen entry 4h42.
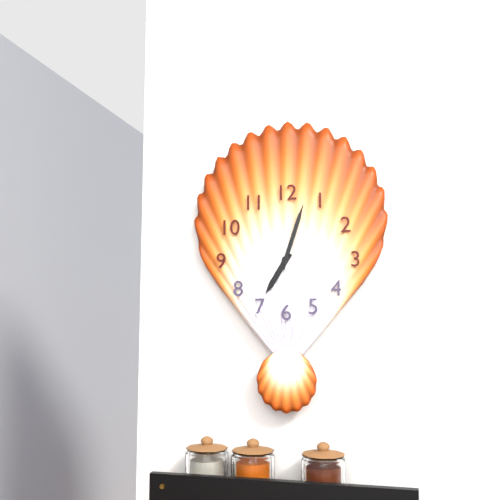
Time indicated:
7h03
